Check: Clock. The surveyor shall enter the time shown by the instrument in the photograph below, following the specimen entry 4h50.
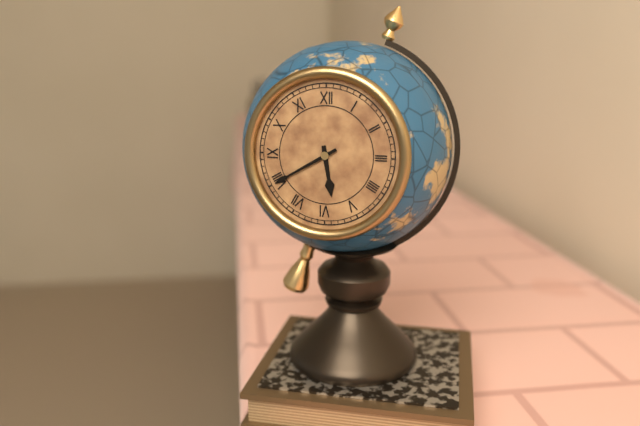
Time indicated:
5h40
